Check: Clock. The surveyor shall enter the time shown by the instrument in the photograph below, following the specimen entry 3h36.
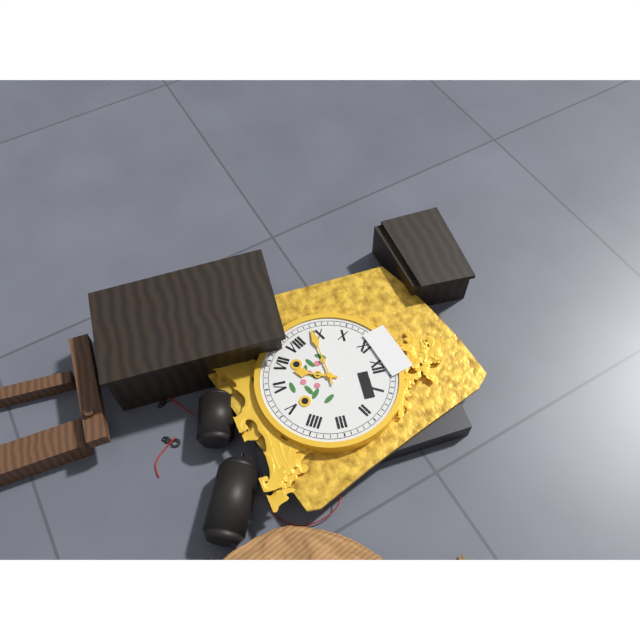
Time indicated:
6h44
